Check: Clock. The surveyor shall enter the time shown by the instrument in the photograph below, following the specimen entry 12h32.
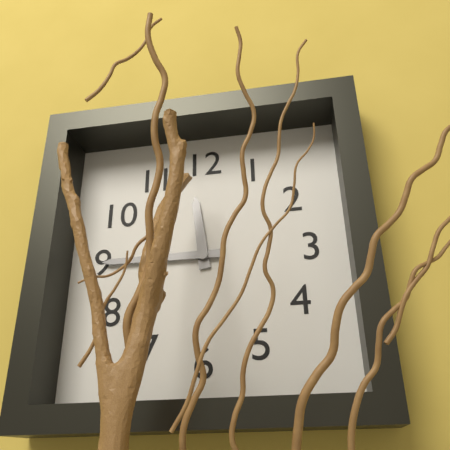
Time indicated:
11h45
